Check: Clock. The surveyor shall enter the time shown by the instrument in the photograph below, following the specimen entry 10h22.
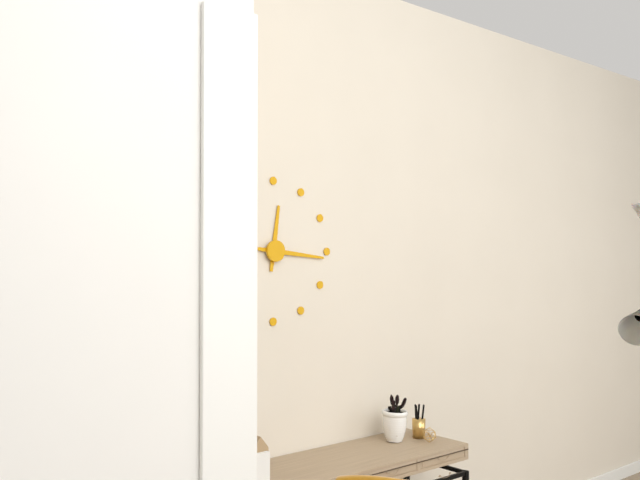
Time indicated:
12h16
